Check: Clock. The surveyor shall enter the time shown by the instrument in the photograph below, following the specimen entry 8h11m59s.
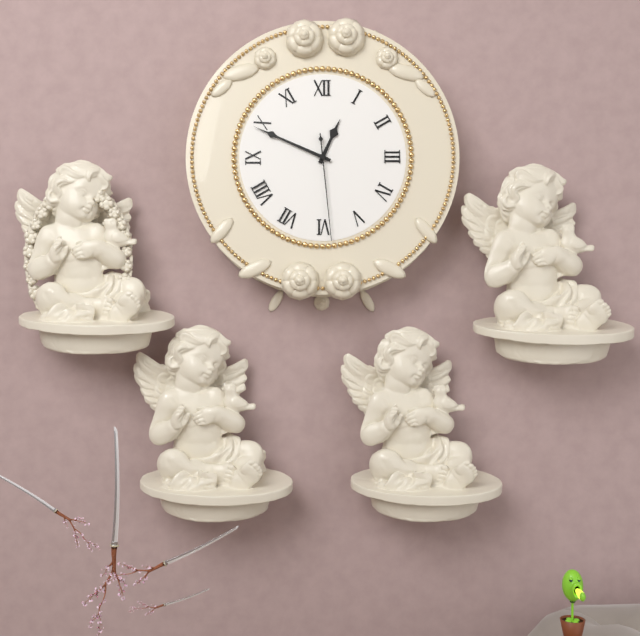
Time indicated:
12h49m29s
